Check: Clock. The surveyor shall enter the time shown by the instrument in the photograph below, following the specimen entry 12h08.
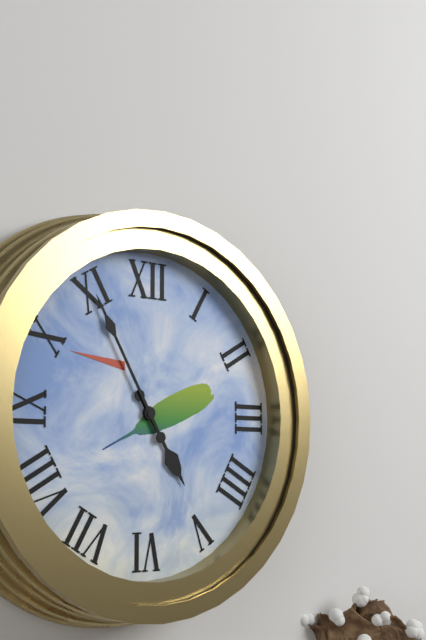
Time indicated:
4h55
